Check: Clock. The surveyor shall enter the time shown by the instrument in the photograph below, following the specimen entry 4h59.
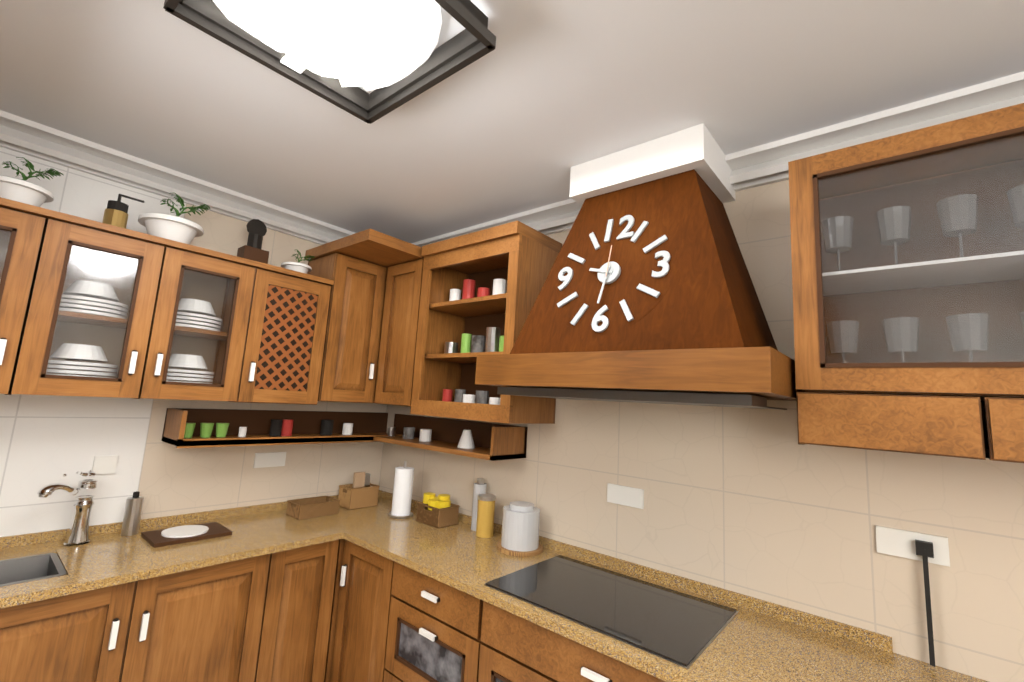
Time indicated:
9h31
